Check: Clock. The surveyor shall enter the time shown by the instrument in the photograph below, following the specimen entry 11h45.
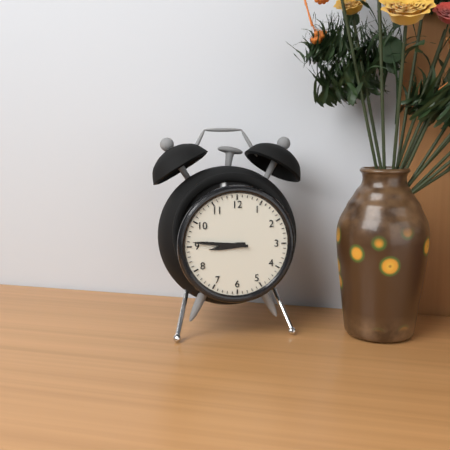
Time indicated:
8h46
